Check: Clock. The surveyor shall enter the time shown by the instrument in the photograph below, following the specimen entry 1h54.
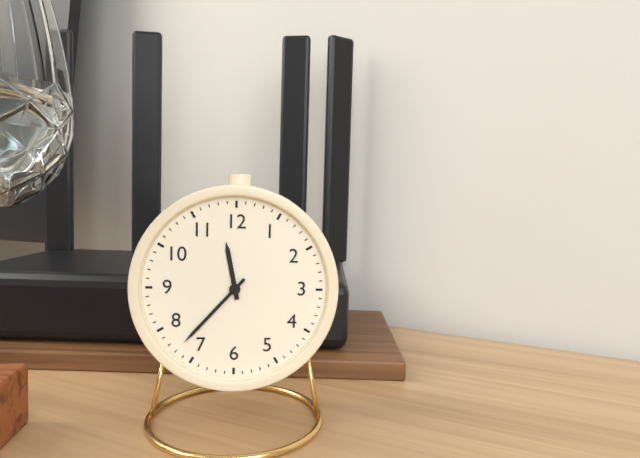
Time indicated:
11h37
